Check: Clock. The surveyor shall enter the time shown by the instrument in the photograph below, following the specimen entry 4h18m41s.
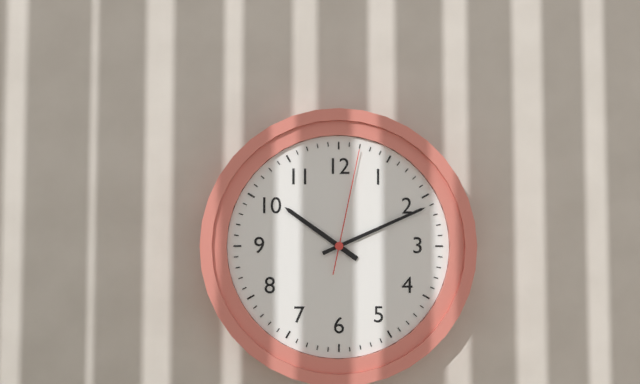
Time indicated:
10h11m02s
